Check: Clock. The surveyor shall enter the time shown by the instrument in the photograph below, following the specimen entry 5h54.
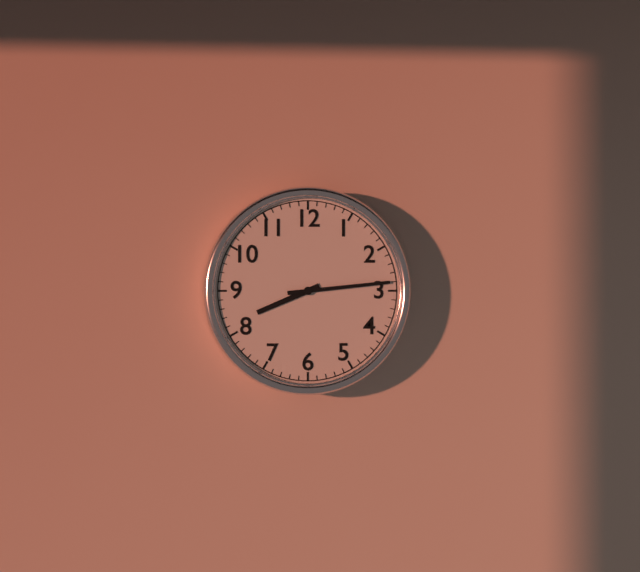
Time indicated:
8h14
